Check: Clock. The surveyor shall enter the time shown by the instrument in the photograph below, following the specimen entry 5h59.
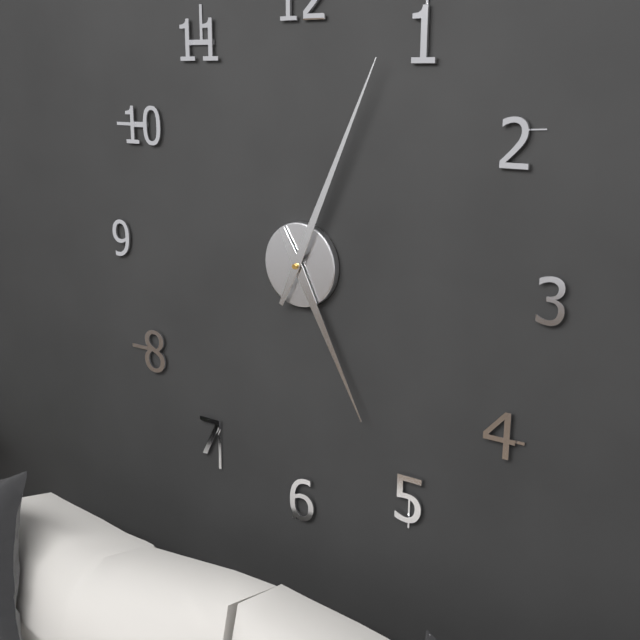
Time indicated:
5h04
